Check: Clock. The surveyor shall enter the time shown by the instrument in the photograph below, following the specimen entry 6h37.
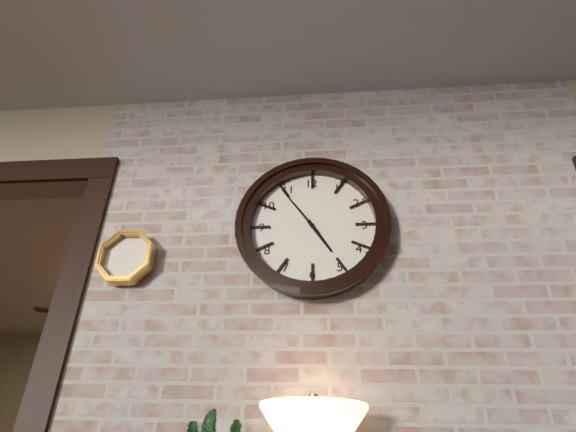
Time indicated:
4h54
